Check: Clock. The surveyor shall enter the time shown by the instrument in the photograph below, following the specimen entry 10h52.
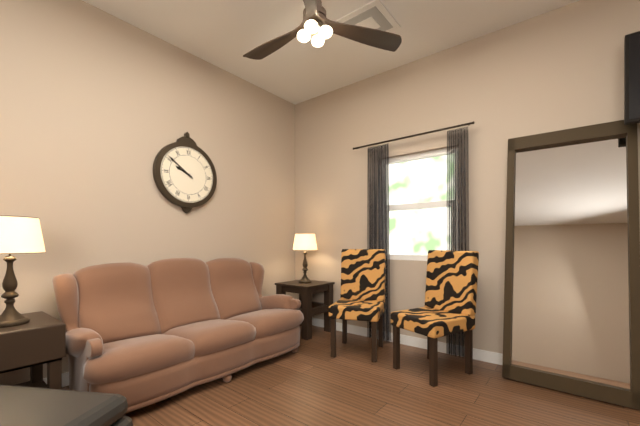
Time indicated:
9h51
